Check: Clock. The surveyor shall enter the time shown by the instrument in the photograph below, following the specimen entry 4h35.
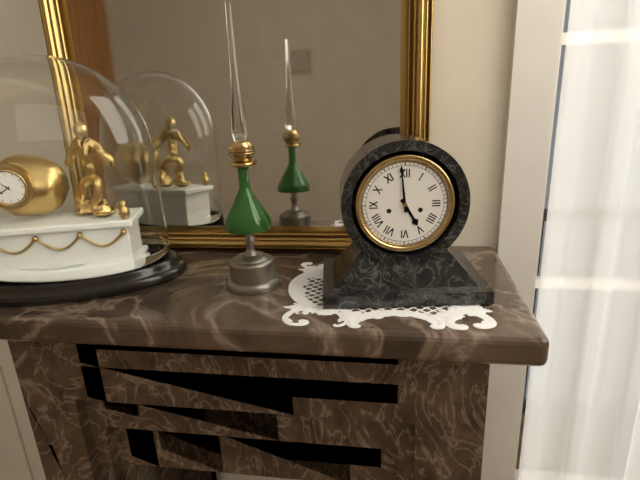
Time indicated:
4h59
